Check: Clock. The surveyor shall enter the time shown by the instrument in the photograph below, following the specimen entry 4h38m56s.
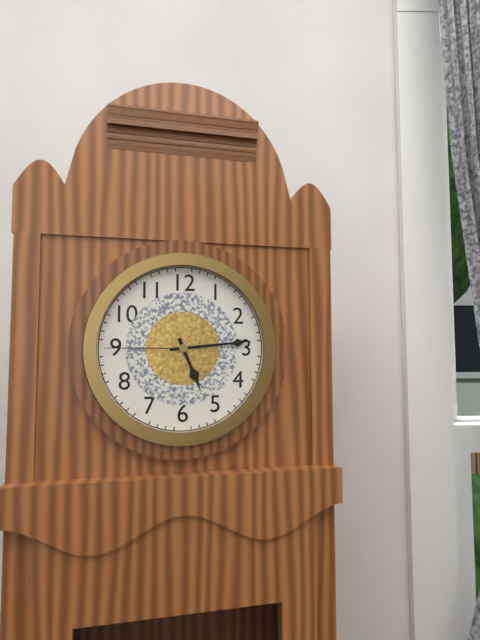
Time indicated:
5h14m45s
